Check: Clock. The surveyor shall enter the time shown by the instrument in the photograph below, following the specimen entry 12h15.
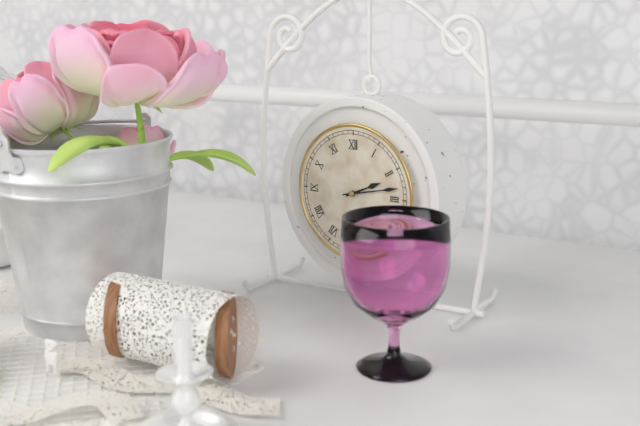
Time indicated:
2h13
